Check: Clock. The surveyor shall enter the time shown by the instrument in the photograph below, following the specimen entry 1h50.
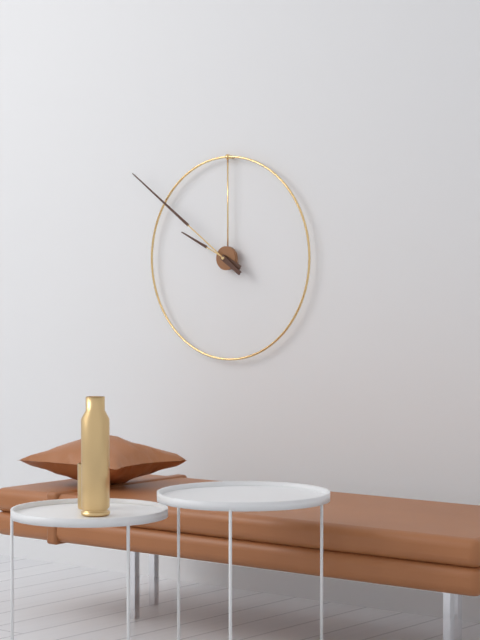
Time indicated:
9h51
